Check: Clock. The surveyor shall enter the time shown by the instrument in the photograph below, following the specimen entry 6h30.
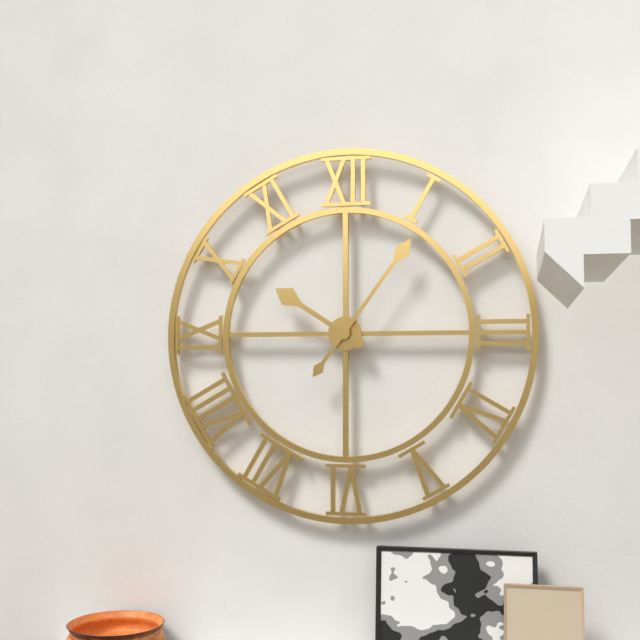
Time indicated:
10h06
